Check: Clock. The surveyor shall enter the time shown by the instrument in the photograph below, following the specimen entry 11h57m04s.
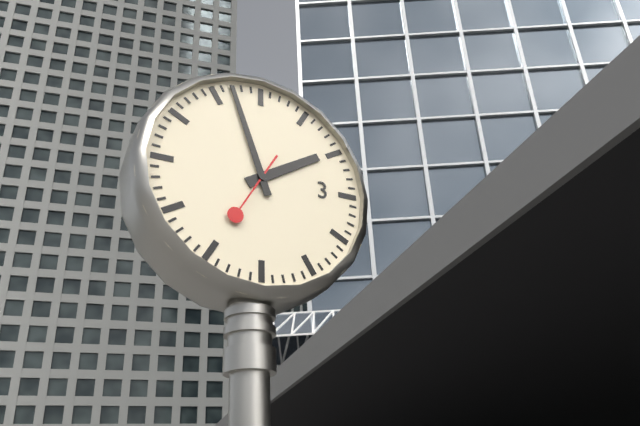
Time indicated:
1h57m35s
